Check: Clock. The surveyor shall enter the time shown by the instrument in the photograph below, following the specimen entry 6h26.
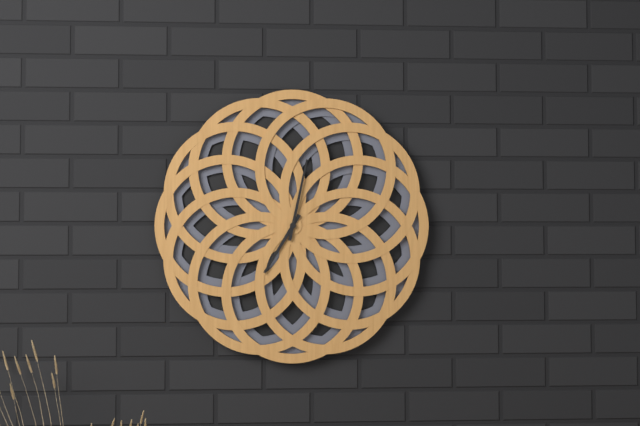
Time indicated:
7h02
